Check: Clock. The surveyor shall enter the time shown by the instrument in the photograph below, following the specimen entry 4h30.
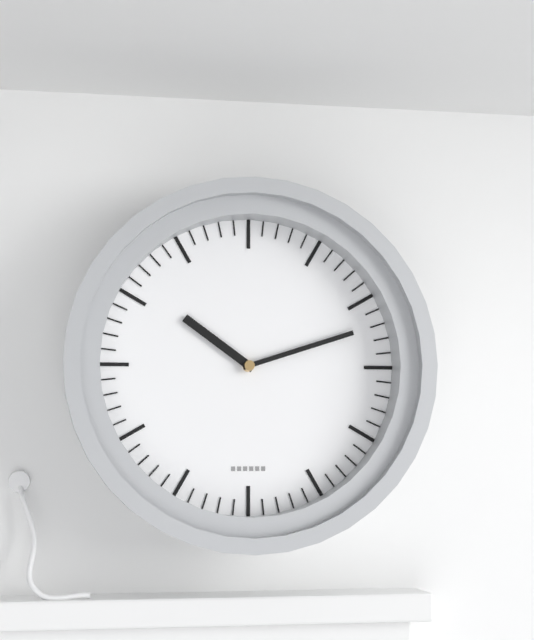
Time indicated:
10h12
